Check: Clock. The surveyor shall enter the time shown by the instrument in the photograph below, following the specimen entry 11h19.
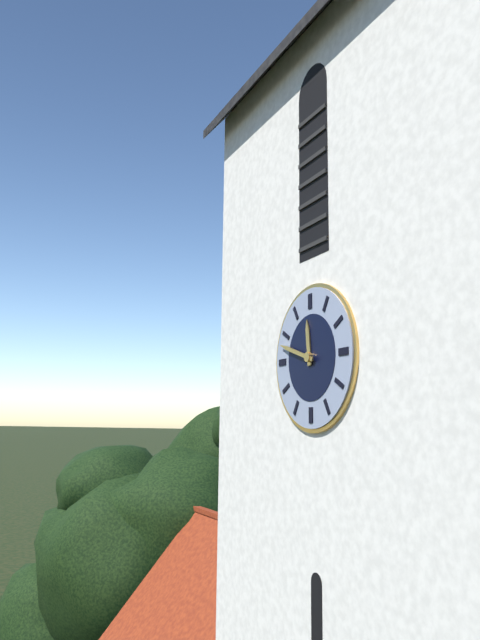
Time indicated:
11h48
